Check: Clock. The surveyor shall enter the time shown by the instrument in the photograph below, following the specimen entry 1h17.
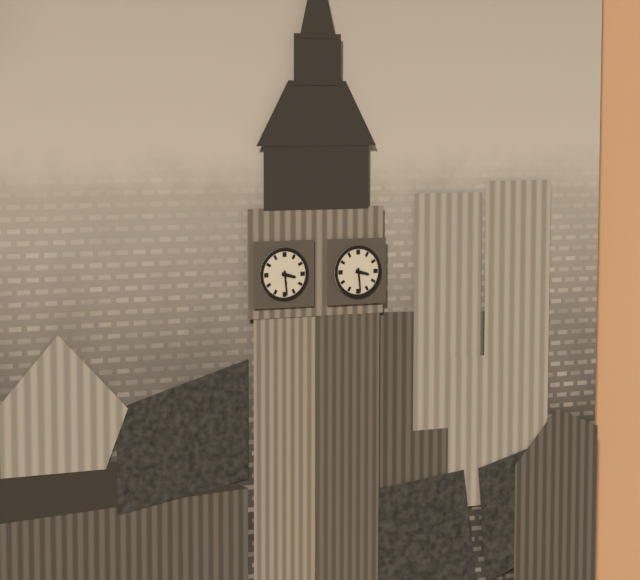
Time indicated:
3h29
